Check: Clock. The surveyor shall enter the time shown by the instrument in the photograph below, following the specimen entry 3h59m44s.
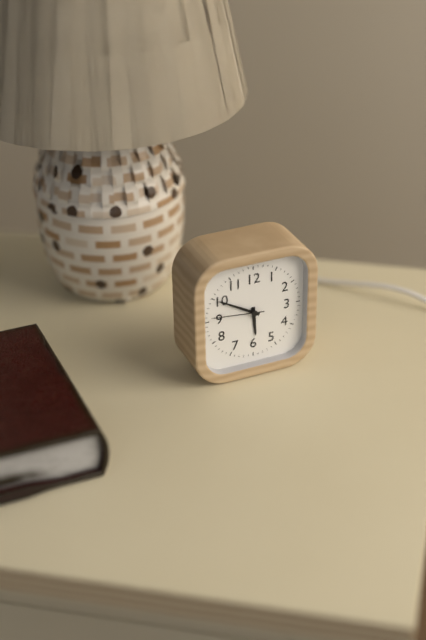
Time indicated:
5h50m46s
